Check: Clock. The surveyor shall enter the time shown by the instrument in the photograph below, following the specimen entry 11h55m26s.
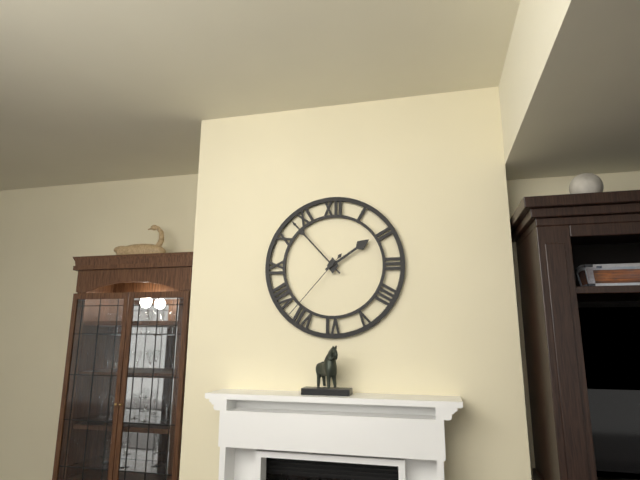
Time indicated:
1h53m37s
